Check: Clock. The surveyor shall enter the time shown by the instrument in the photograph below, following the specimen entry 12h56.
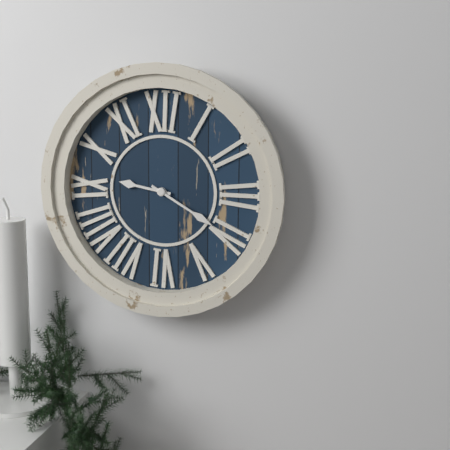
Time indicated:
9h20
